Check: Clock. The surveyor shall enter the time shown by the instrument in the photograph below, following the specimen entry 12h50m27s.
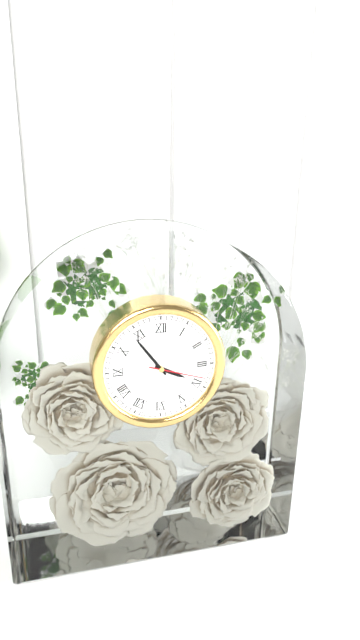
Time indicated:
3h54m18s
